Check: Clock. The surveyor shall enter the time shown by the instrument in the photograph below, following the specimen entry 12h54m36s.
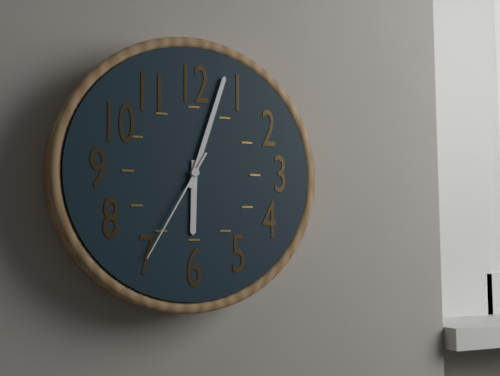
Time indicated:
6h03m35s
